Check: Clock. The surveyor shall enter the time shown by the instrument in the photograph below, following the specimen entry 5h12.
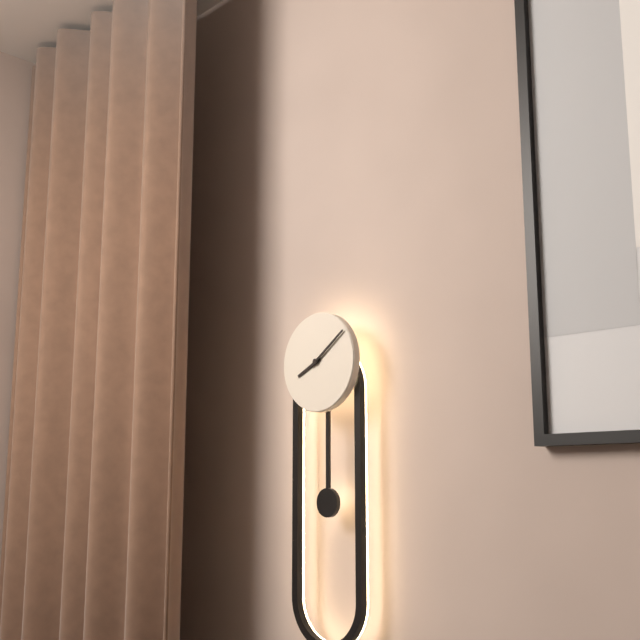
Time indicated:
8h09
